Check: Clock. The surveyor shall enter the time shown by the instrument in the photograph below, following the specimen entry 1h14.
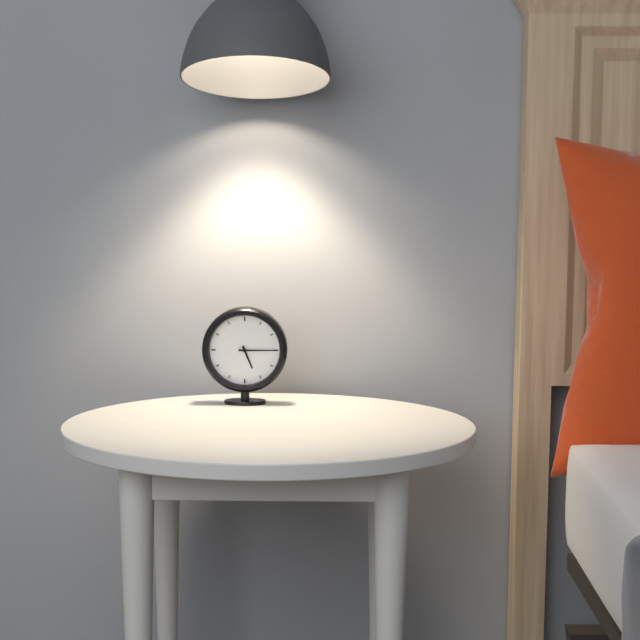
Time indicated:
5h15
